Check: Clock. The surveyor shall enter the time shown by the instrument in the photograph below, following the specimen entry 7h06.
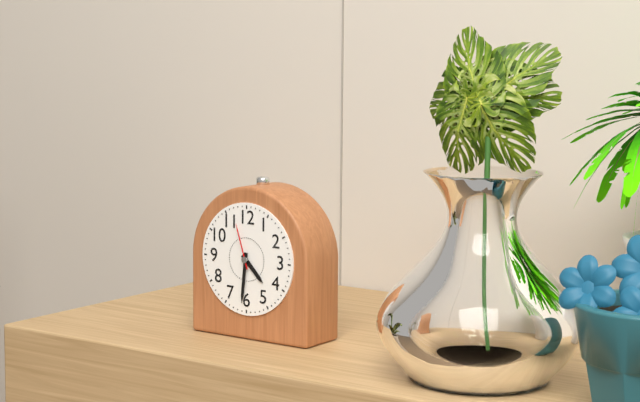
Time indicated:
4h31
